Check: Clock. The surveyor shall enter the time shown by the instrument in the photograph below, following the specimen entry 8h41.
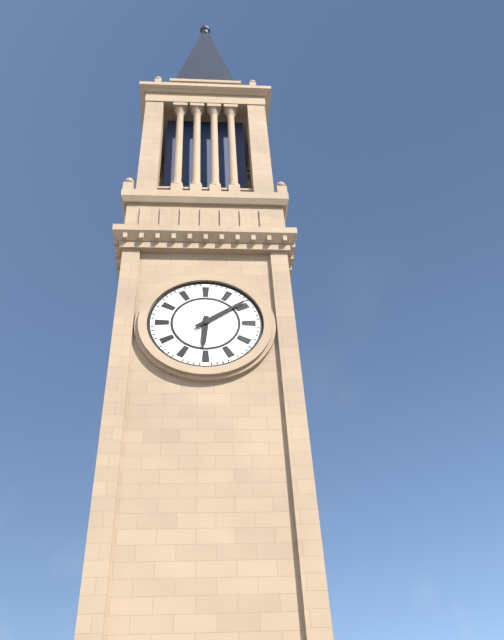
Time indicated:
6h09
